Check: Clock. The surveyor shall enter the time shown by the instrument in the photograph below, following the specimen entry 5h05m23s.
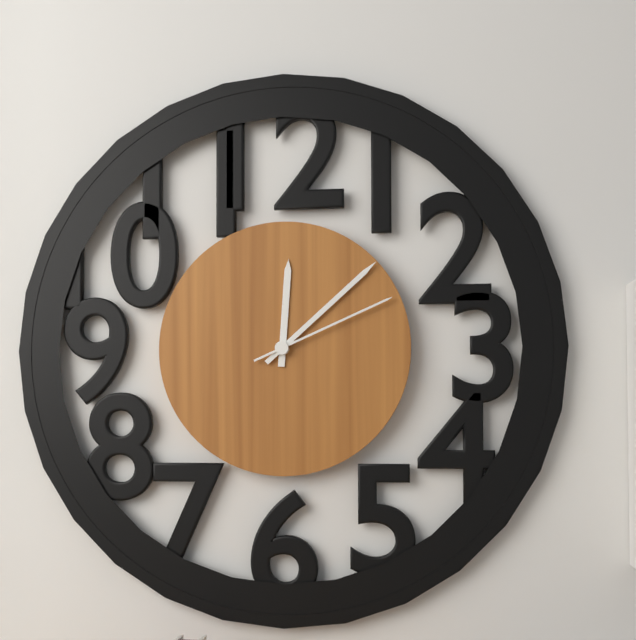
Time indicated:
12h08m11s
